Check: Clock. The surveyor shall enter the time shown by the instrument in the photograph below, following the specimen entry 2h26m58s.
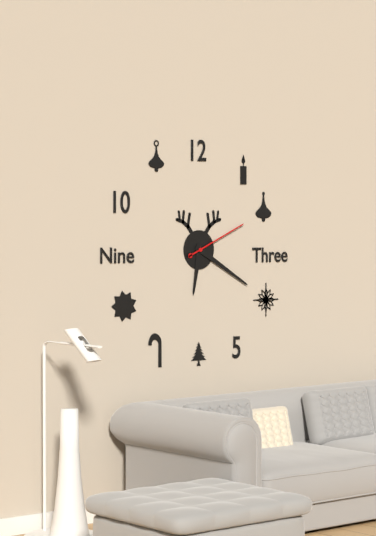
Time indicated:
6h20m11s
